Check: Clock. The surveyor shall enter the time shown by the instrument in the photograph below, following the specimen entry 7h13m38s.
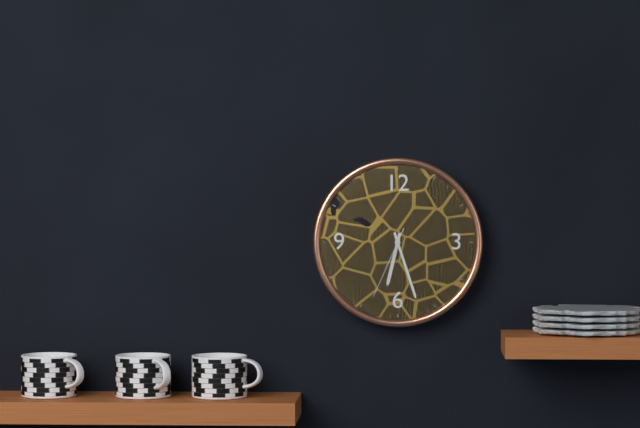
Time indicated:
6h27m34s
